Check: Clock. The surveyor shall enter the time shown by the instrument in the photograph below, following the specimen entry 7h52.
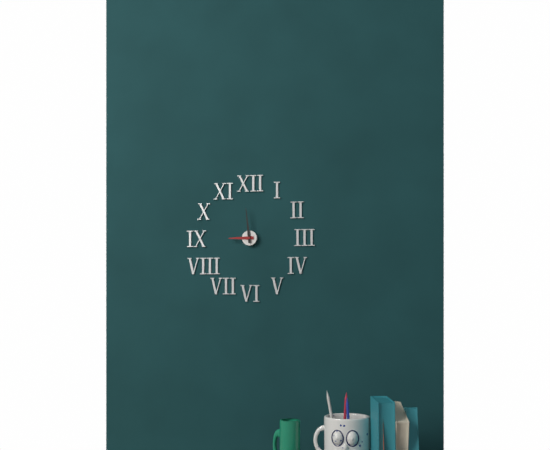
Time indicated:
8h59
